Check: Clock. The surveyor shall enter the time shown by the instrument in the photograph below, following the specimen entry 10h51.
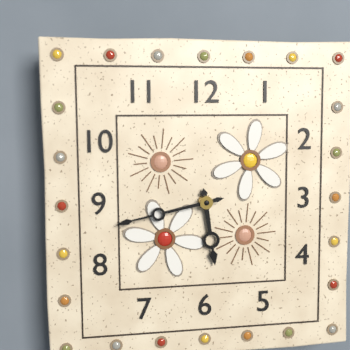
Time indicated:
5h43
